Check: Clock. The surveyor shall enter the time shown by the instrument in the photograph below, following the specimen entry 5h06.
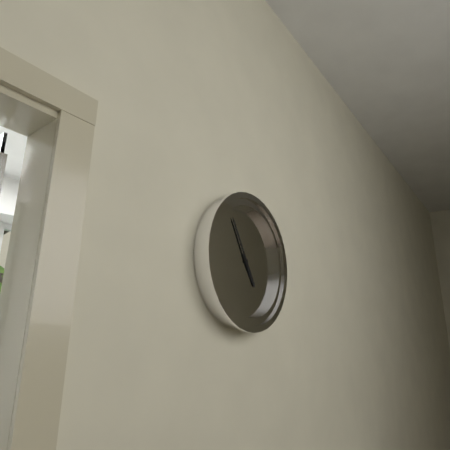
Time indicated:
4h55
